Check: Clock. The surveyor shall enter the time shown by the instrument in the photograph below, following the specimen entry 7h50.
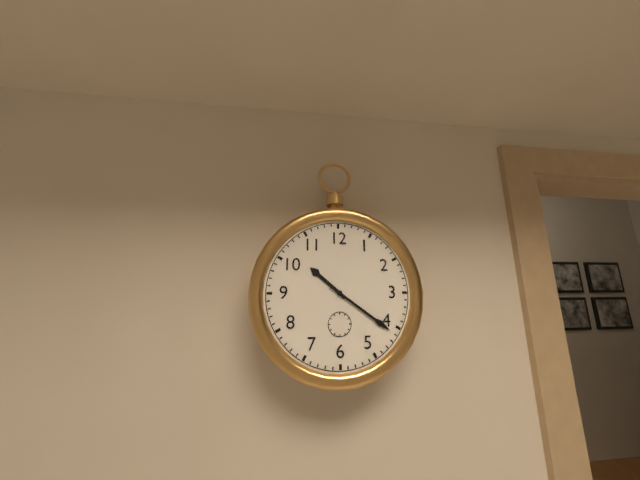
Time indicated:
10h21
